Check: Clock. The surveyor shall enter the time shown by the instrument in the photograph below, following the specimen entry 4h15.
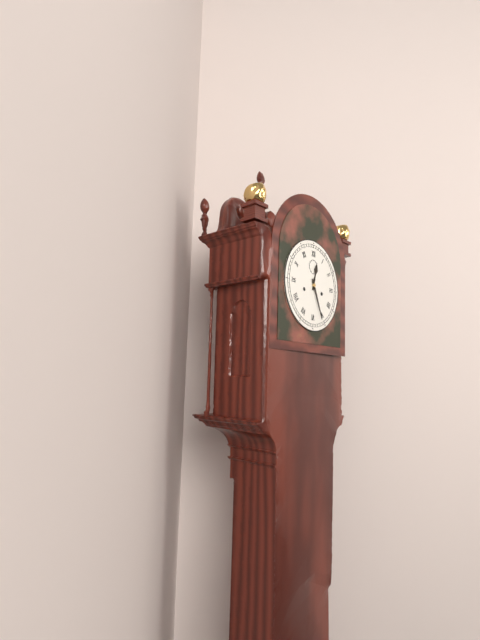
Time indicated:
12h26
